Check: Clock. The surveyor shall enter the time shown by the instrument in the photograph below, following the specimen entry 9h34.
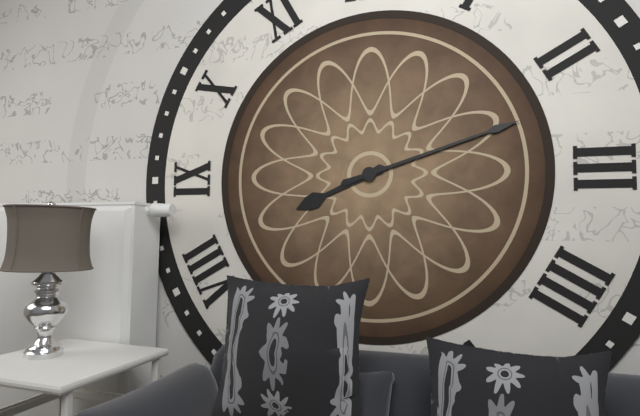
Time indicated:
8h12
